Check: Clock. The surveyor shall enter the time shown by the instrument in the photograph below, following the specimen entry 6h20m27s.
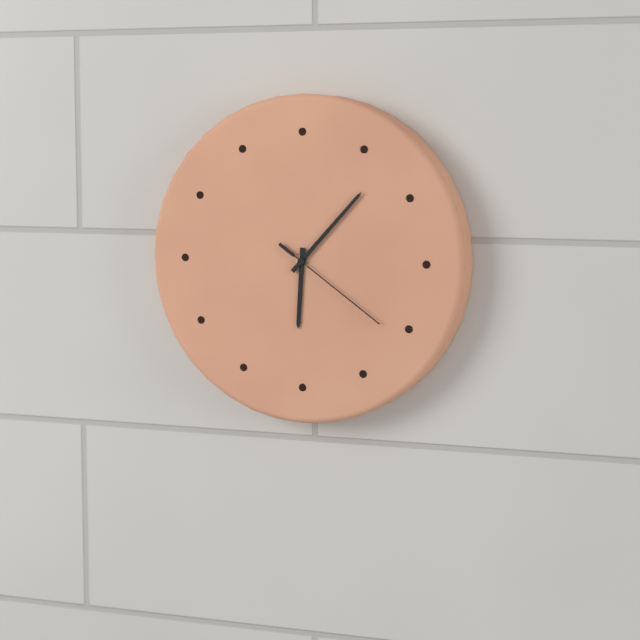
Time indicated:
6h07m21s
